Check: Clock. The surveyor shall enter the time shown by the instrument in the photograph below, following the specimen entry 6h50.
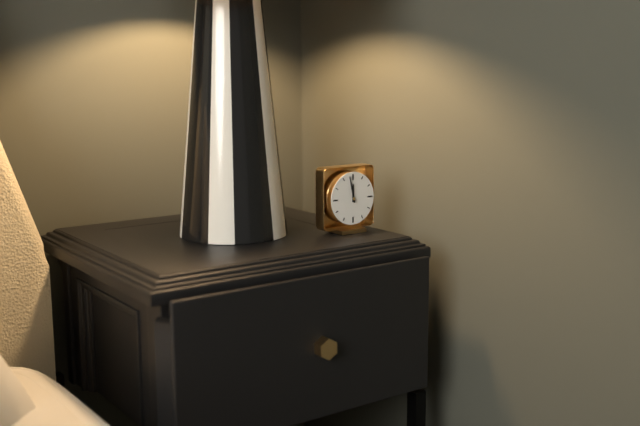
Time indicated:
11h58
